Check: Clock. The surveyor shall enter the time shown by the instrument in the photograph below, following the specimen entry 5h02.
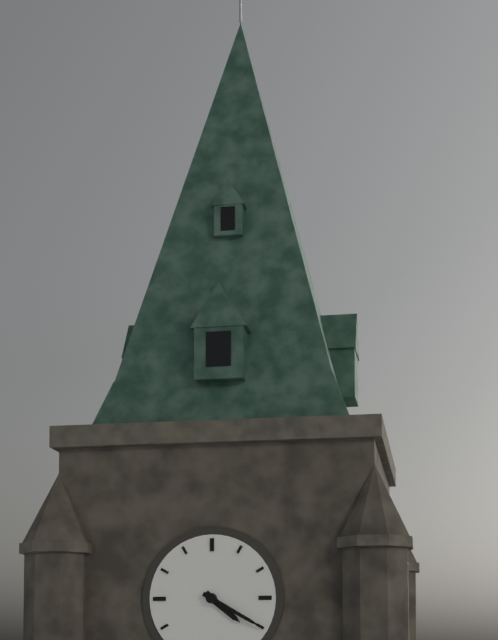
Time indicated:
4h20
